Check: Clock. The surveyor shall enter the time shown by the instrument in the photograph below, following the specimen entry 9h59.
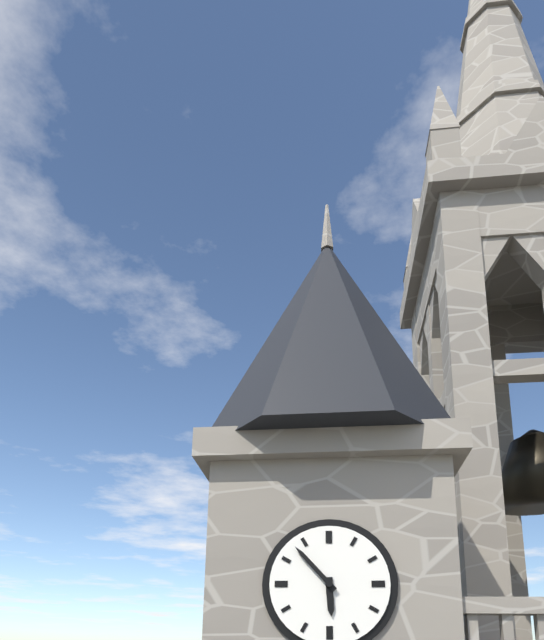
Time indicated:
5h53
